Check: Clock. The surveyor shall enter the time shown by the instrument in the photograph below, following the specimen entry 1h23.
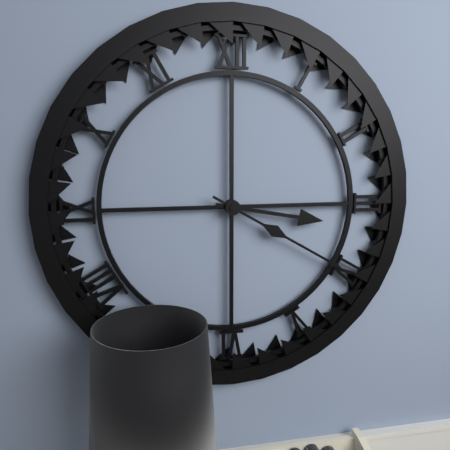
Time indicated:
3h20
